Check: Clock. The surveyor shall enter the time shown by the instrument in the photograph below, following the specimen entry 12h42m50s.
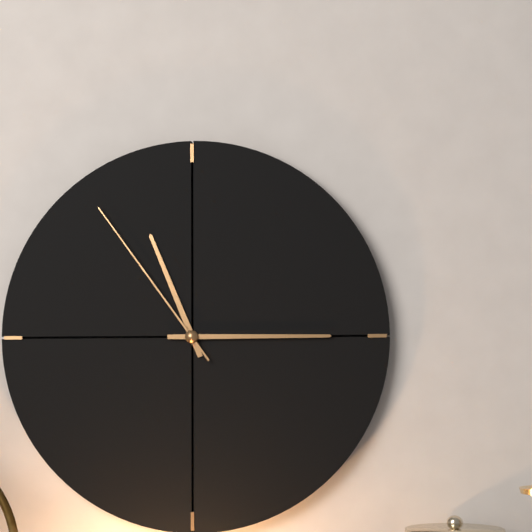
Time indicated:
11h15m54s
